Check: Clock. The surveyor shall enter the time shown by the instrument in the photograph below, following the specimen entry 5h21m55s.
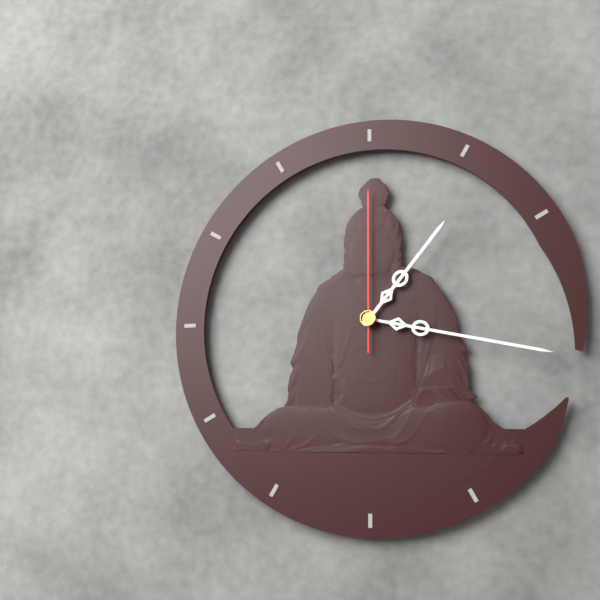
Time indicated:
1h17m00s
